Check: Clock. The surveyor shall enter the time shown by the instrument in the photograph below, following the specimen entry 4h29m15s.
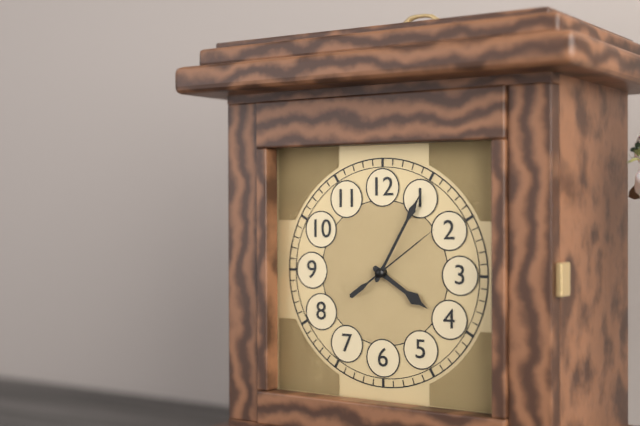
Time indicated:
4h05m09s
